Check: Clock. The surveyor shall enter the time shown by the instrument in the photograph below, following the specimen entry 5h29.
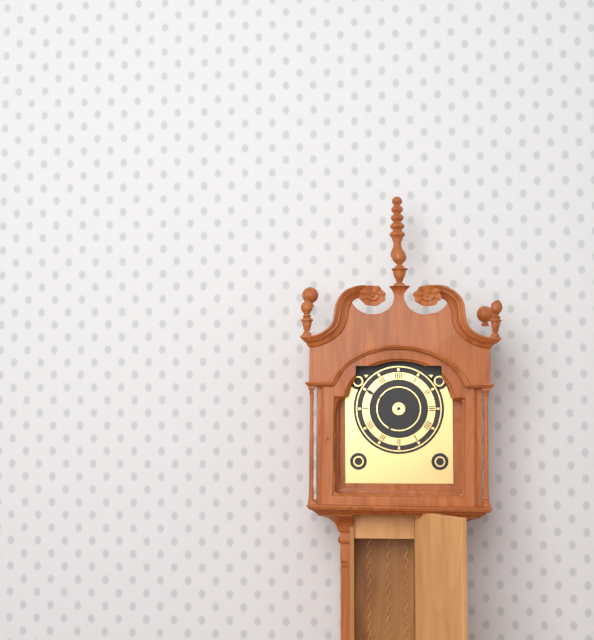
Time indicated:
6h50
